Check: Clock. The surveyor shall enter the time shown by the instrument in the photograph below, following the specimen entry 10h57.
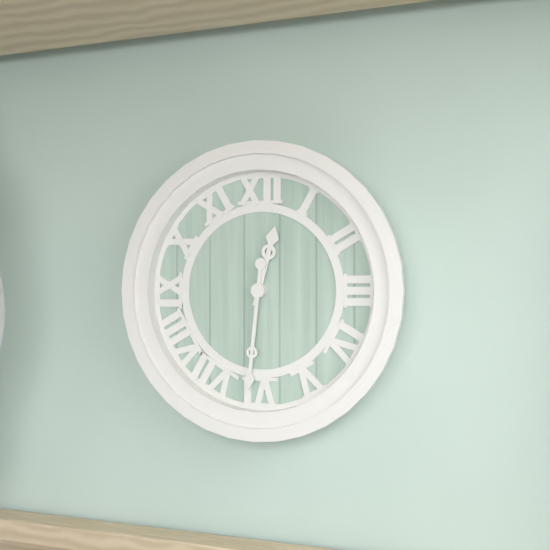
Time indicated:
12h31
